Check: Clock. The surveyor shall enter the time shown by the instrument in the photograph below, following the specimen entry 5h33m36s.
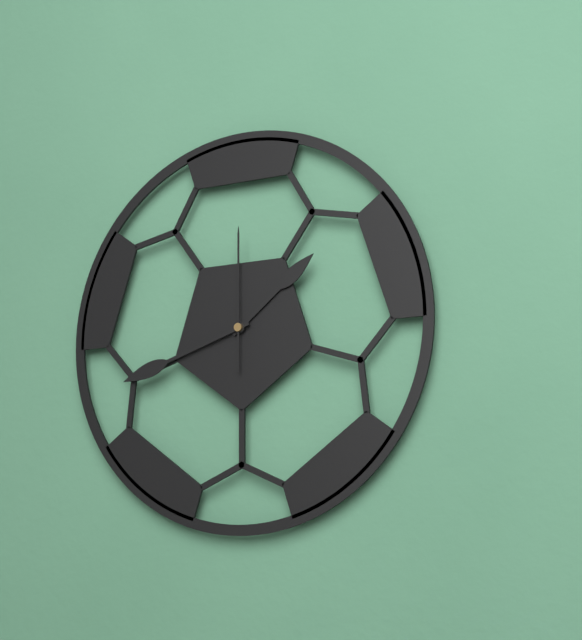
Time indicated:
1h42m00s
